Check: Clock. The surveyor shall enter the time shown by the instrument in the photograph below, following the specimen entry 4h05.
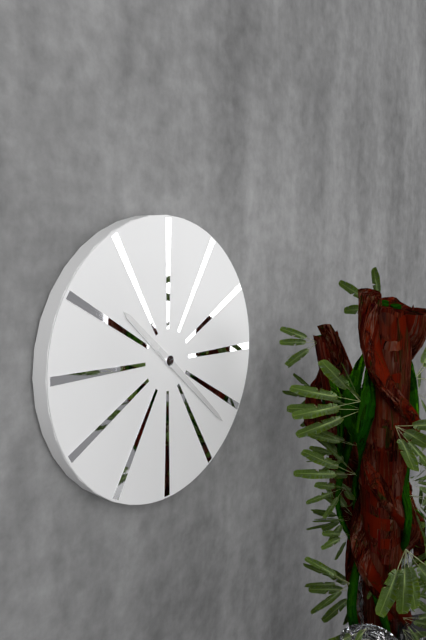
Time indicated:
10h22
